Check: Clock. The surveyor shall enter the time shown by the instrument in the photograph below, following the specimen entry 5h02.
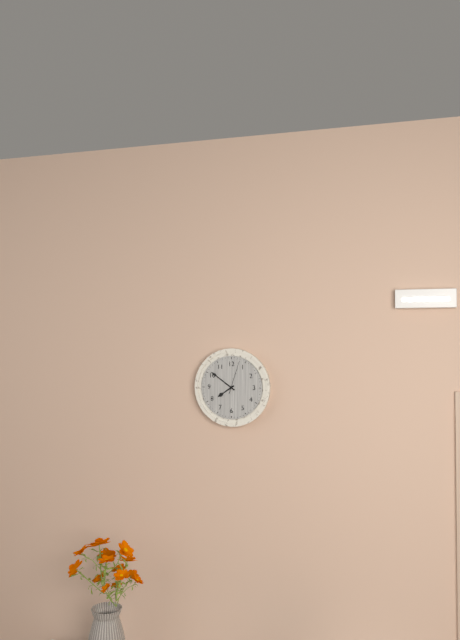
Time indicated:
7h51
